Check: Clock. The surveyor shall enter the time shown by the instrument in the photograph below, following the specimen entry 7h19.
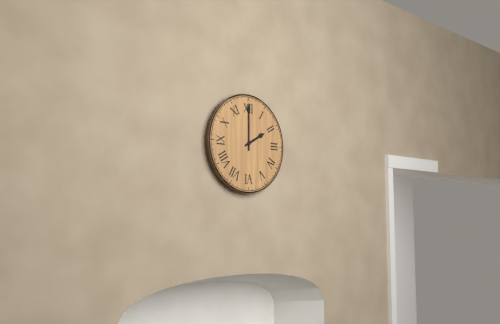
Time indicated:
2h00
